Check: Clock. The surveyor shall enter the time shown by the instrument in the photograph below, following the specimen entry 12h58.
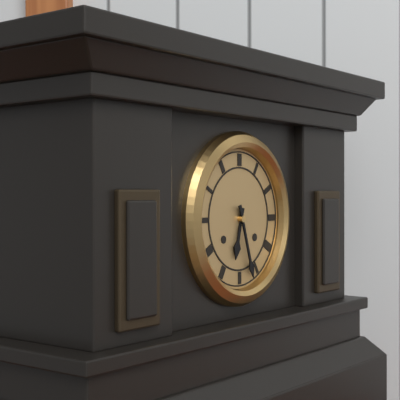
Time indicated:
6h27
